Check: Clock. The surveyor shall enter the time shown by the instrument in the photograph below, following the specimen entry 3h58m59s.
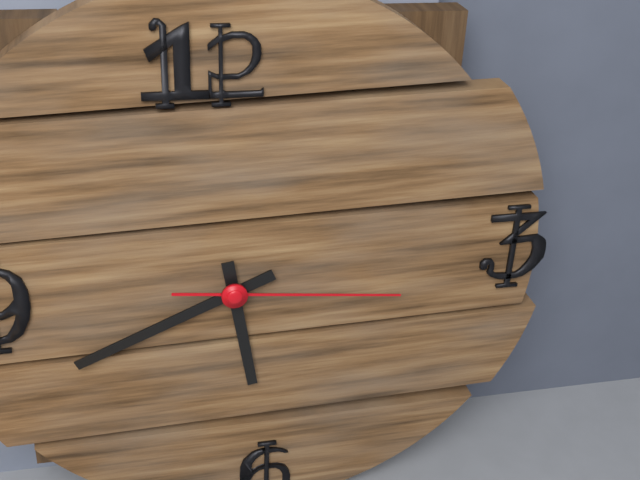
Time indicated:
5h41m16s
